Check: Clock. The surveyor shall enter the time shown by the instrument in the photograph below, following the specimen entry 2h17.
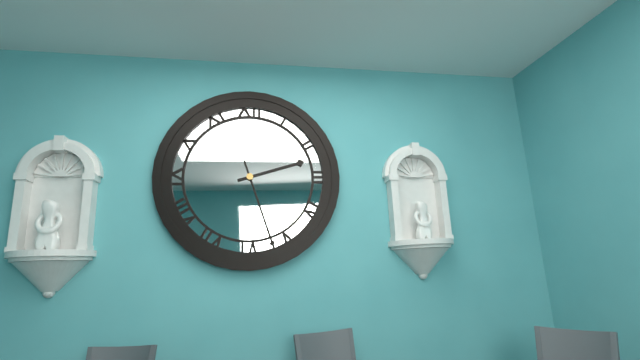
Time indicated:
2h27
